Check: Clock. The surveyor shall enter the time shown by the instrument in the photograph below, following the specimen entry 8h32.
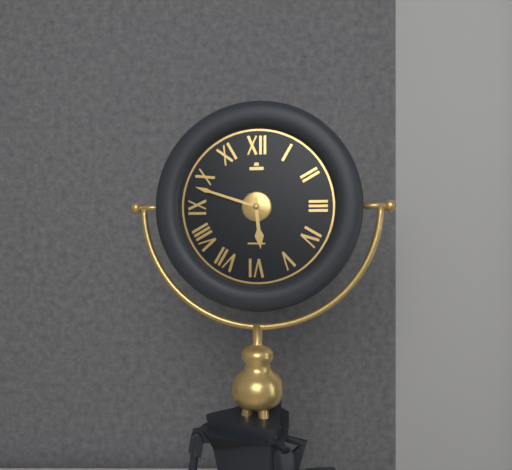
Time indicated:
5h48
